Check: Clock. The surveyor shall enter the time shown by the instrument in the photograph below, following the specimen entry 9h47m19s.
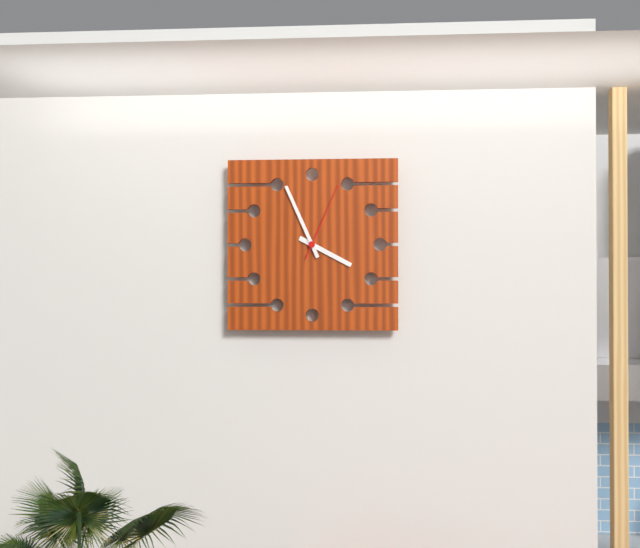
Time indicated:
3h56m04s
